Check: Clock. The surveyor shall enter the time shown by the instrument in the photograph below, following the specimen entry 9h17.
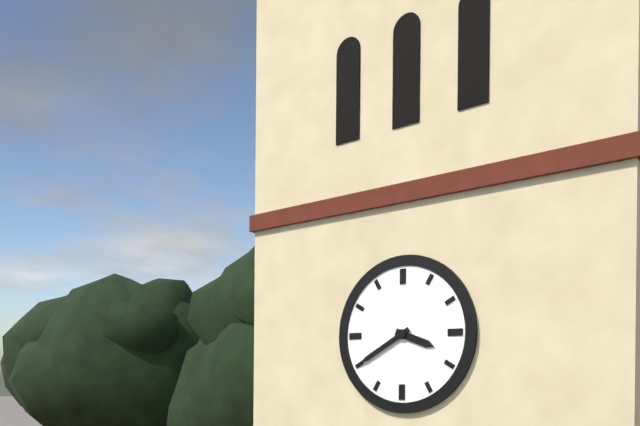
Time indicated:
3h40
